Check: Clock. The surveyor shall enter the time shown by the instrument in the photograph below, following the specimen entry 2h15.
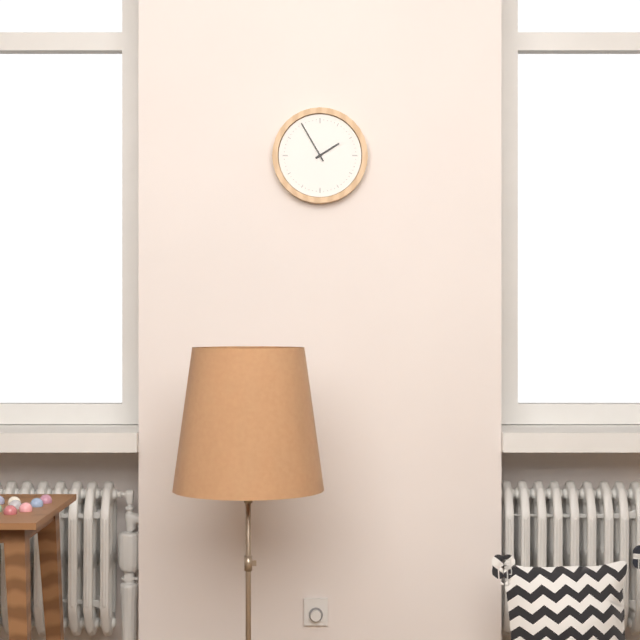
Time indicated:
1h55
